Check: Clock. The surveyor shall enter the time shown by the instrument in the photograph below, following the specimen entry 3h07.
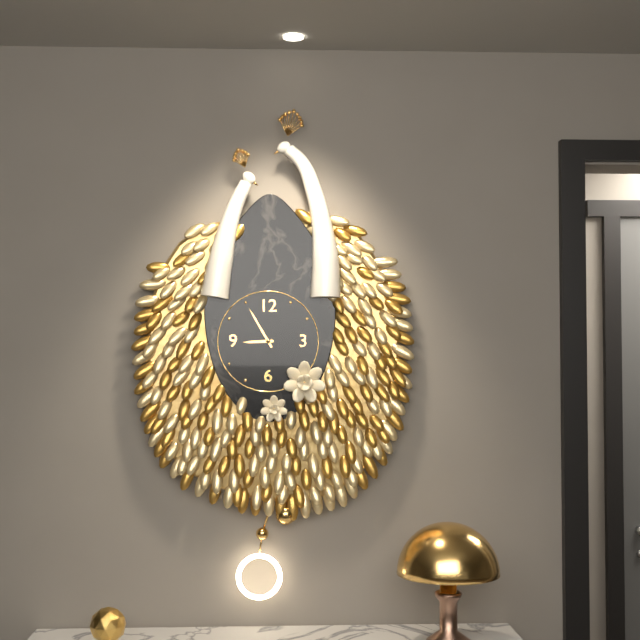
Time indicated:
8h55
